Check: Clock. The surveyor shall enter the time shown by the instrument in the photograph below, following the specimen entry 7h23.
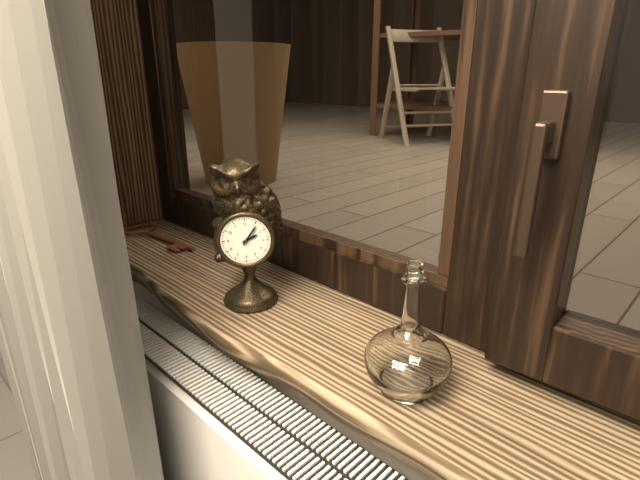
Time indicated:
2h06
